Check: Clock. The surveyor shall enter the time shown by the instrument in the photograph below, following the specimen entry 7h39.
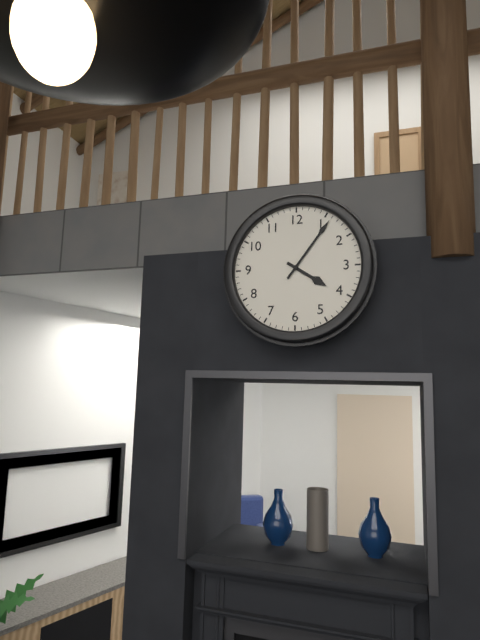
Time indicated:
4h06
